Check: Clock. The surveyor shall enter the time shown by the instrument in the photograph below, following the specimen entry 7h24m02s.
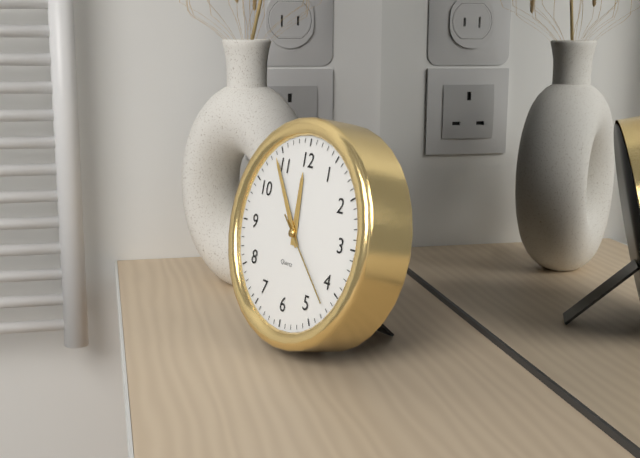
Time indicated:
11h54m22s
